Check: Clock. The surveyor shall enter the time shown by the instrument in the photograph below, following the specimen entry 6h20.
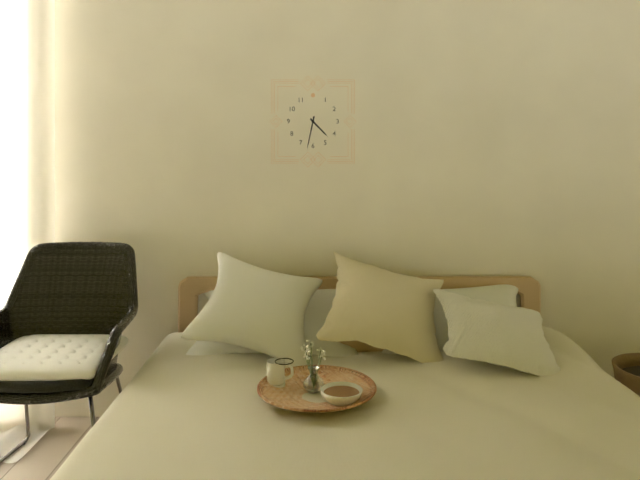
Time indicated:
4h32
